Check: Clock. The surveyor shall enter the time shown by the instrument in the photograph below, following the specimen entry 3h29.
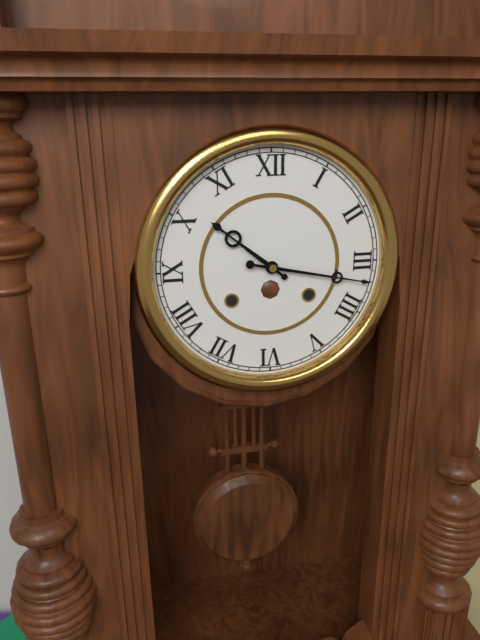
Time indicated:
10h17
